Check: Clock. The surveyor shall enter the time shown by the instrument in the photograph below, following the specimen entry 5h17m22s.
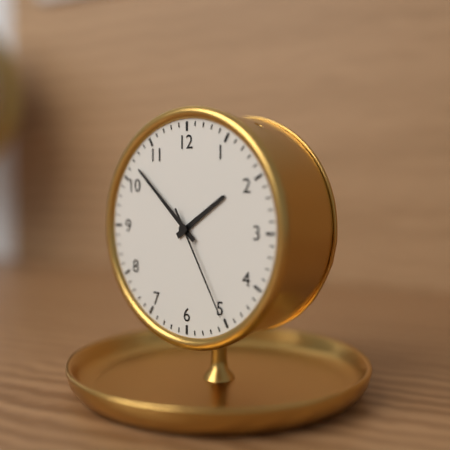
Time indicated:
1h52m25s
